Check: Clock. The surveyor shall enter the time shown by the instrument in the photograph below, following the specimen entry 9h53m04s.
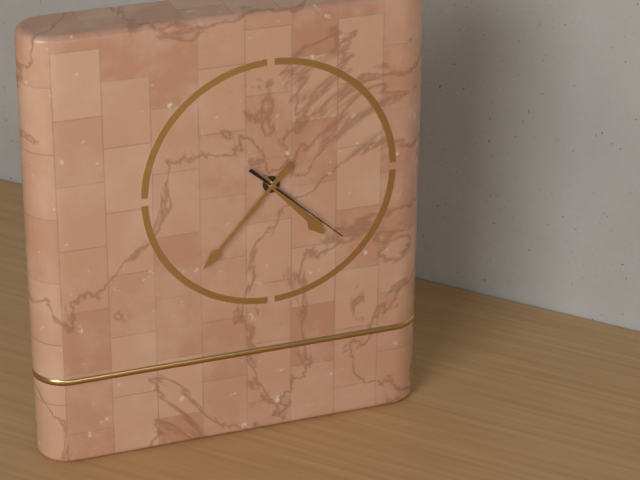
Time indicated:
4h37m22s
